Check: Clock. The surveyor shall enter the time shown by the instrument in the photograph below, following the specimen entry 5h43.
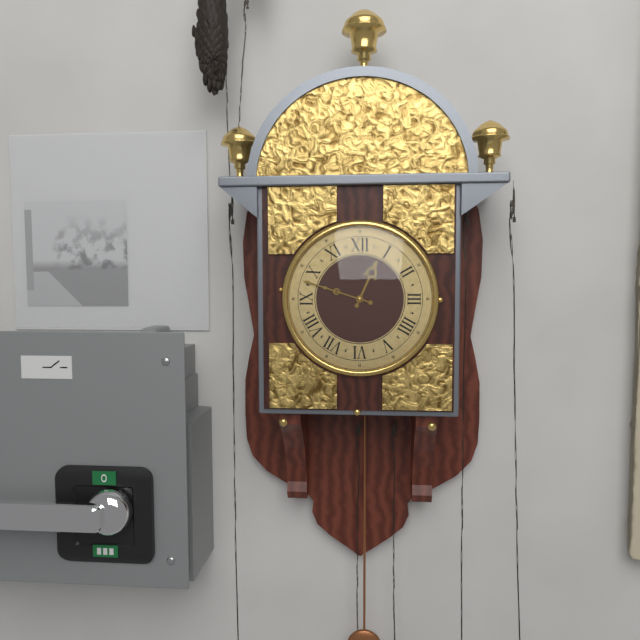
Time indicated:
12h48
